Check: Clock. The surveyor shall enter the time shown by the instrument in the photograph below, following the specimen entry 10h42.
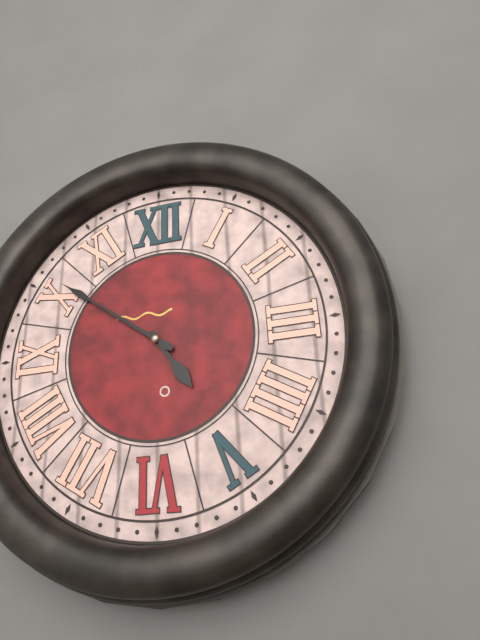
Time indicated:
4h51
